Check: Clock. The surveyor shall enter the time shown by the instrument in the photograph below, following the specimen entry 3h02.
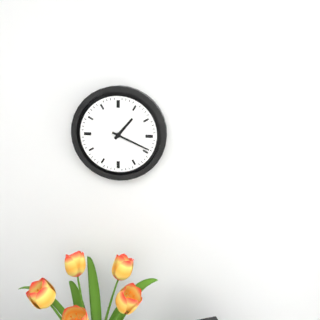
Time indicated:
1h19
